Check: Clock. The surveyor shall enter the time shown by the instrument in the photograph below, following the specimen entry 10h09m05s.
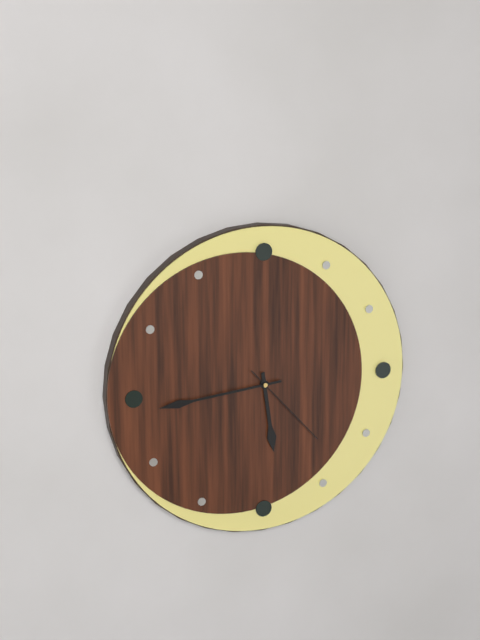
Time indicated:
5h44m23s
